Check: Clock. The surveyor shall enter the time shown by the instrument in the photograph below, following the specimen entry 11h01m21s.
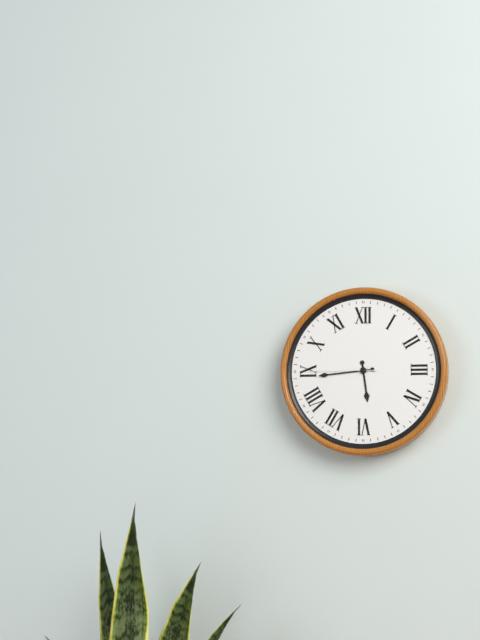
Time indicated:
5h44m45s
